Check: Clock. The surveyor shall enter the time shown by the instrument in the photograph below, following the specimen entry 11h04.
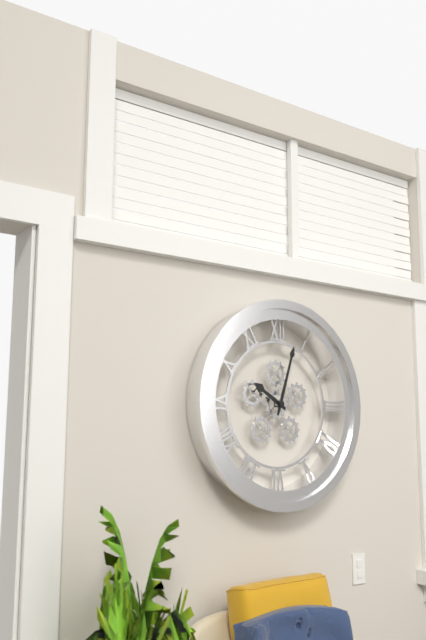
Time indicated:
10h03
